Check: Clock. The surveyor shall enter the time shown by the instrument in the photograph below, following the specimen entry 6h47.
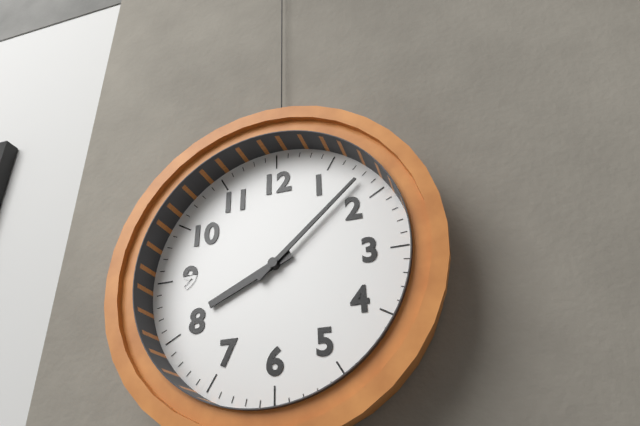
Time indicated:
8h08
